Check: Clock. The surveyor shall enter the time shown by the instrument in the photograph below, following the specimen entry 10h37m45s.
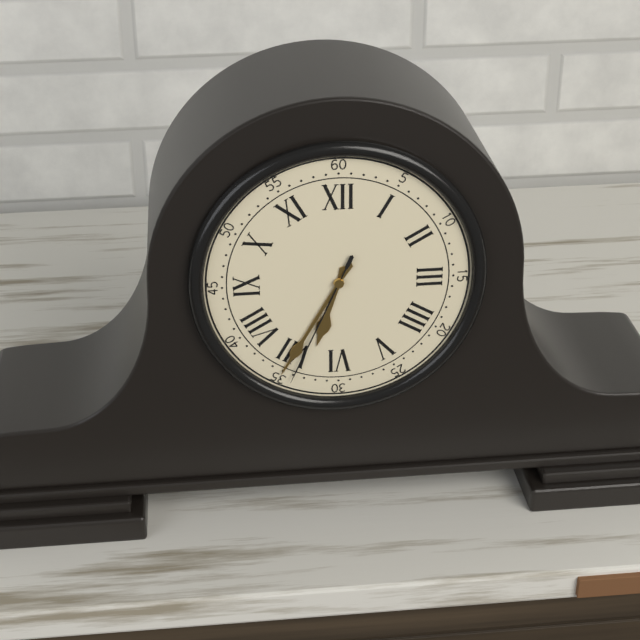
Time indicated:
6h35m34s
